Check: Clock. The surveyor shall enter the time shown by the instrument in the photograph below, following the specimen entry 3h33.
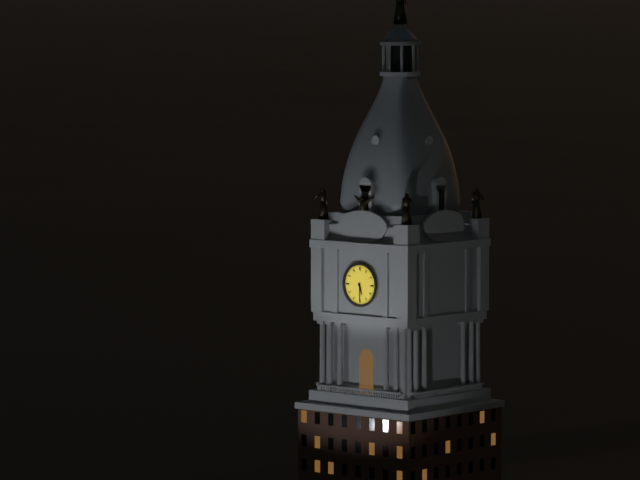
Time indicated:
5h30
